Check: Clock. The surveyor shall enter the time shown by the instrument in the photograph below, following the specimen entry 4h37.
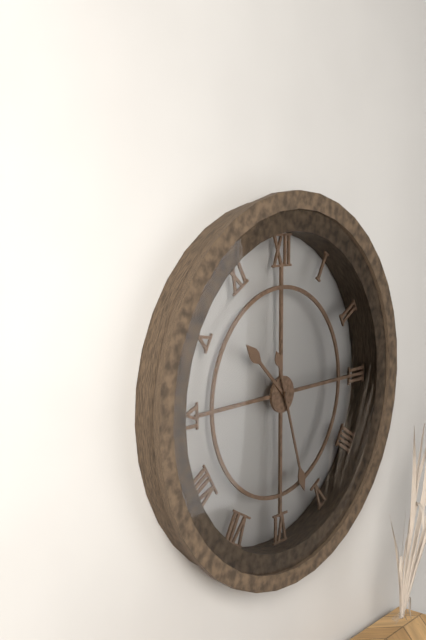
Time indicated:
10h27
